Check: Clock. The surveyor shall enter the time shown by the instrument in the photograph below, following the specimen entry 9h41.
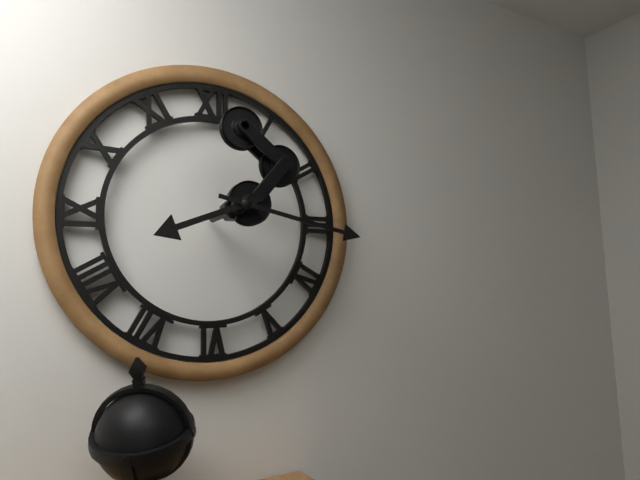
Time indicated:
8h17
